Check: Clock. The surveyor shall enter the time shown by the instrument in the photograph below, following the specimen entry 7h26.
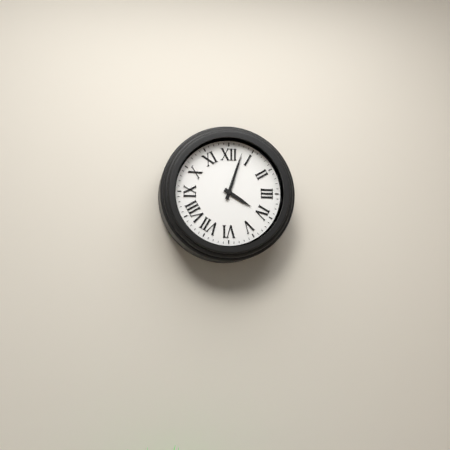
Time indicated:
4h03
